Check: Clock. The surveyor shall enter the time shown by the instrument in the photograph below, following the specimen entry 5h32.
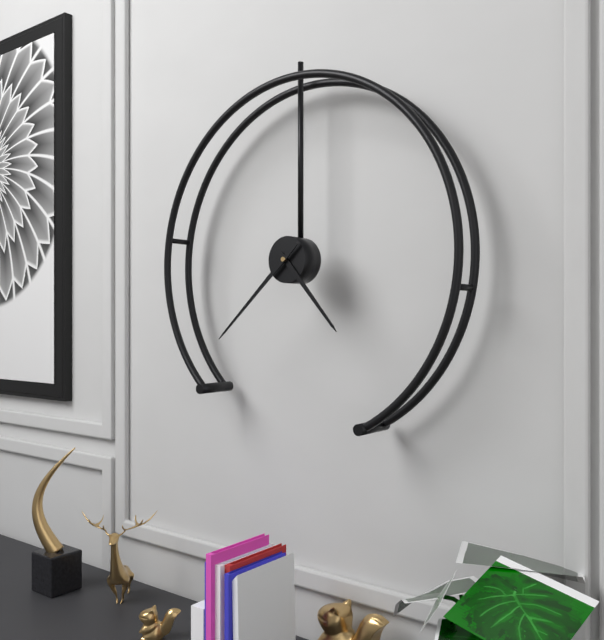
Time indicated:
4h38
